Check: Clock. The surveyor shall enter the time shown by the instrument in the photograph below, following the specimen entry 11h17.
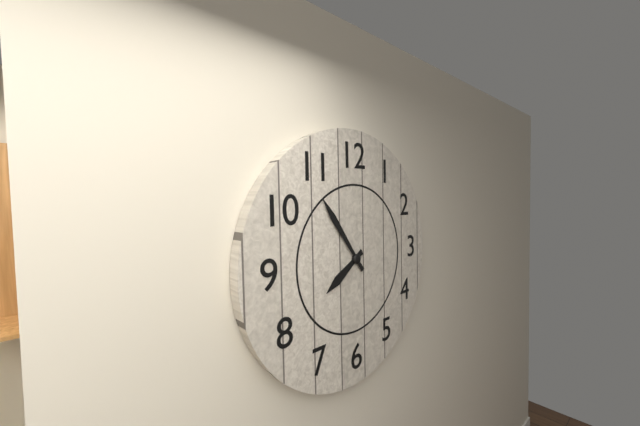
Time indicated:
7h54
